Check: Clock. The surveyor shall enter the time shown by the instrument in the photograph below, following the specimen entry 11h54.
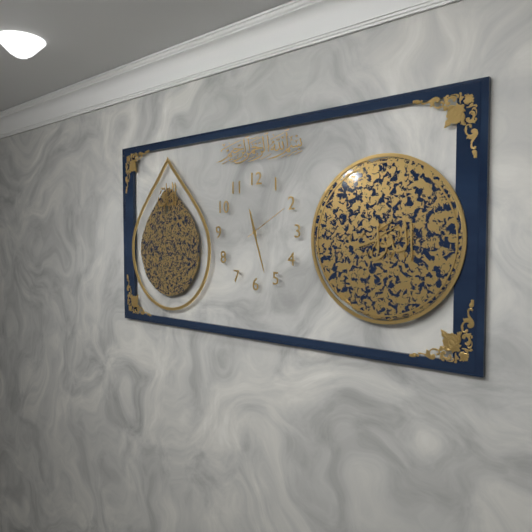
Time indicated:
11h27
